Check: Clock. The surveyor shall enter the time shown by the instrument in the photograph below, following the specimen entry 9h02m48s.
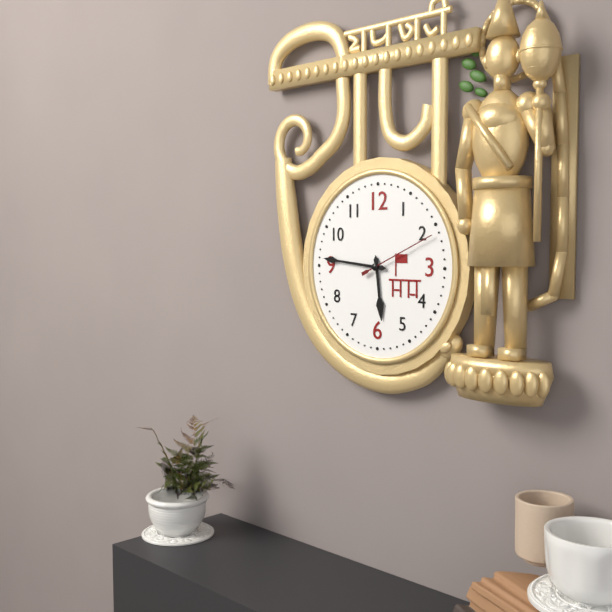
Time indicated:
5h46m11s
